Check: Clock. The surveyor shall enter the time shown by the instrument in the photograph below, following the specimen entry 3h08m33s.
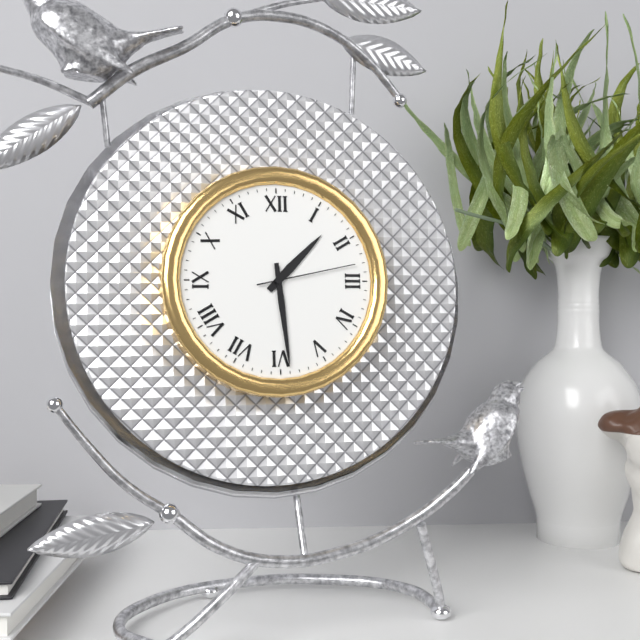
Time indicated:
1h29m13s
